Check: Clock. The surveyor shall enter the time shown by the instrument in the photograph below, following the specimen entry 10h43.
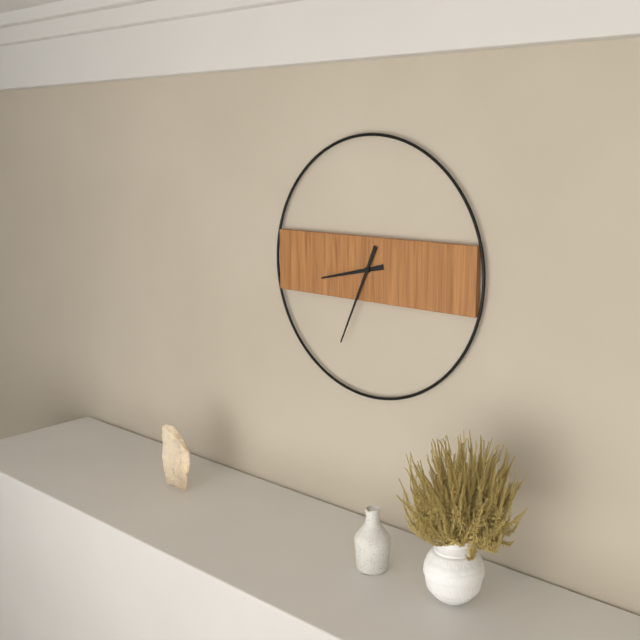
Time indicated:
8h34
